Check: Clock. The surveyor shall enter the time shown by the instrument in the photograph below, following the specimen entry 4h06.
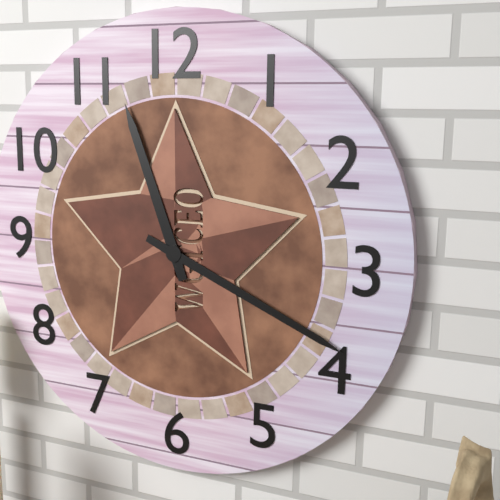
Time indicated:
11h19
